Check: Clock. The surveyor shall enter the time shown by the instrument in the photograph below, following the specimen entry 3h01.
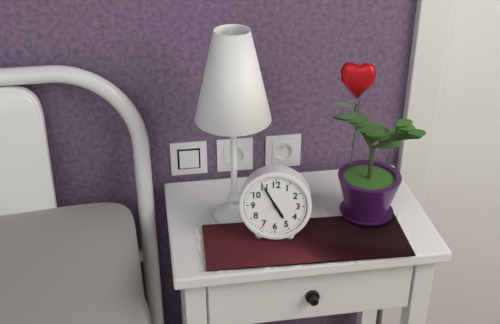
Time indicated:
4h55
